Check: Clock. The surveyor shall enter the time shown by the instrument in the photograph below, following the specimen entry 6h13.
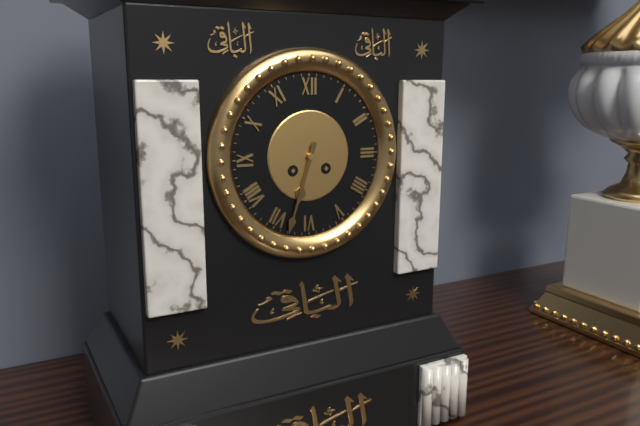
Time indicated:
6h33
